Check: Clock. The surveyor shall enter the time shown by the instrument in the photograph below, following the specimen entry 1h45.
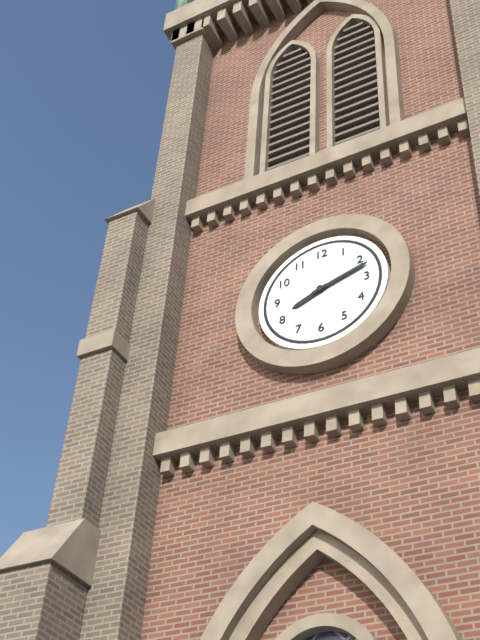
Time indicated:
8h12
